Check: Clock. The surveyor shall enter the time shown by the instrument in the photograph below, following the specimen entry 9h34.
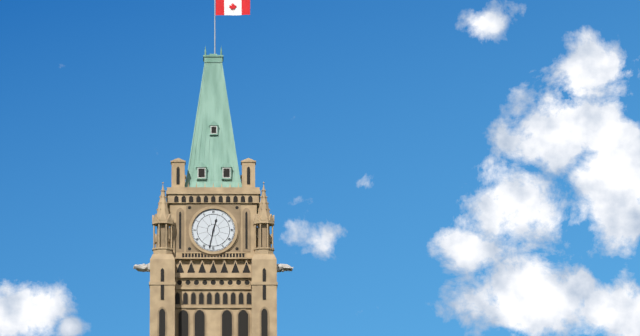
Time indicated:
12h32
